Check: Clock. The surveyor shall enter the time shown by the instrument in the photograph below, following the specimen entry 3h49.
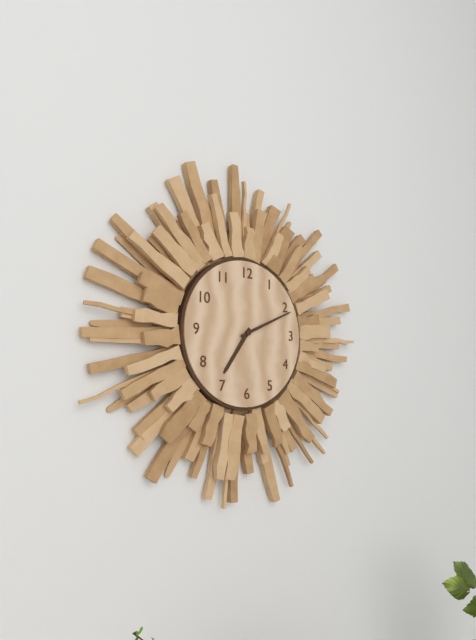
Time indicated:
7h11
